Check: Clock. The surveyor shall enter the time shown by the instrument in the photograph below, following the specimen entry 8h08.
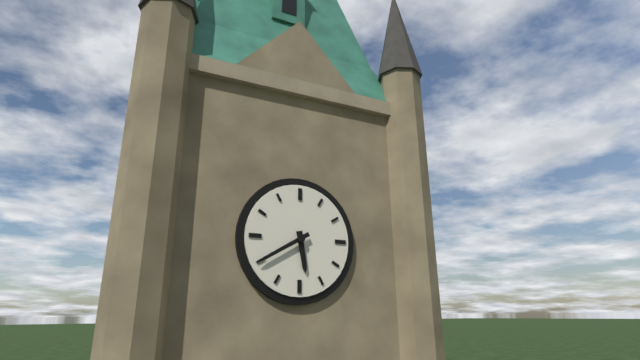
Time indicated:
5h40
